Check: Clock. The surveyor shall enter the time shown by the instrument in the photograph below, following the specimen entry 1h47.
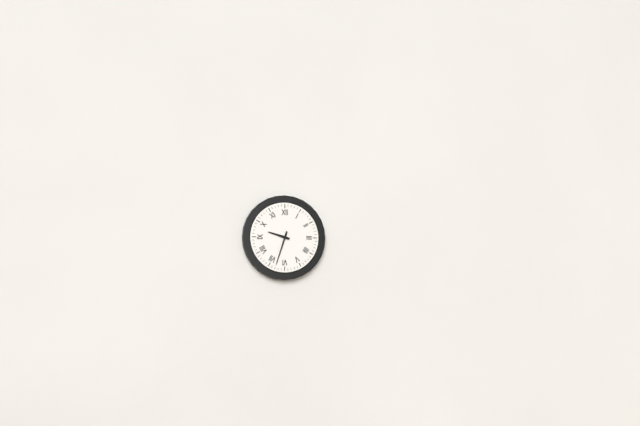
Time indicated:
9h33
